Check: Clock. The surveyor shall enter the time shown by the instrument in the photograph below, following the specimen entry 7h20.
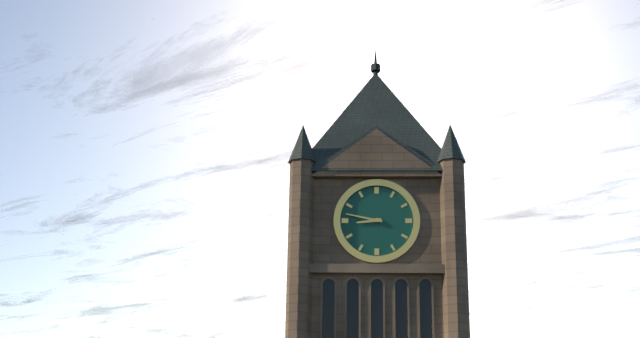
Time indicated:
8h47
